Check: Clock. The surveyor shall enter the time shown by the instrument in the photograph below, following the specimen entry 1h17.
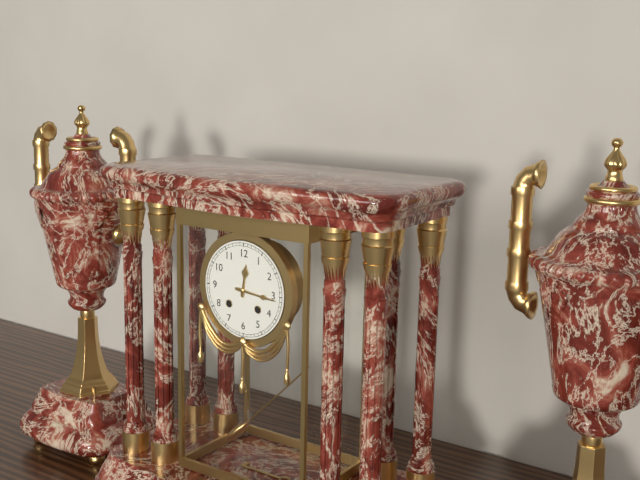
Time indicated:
12h16
